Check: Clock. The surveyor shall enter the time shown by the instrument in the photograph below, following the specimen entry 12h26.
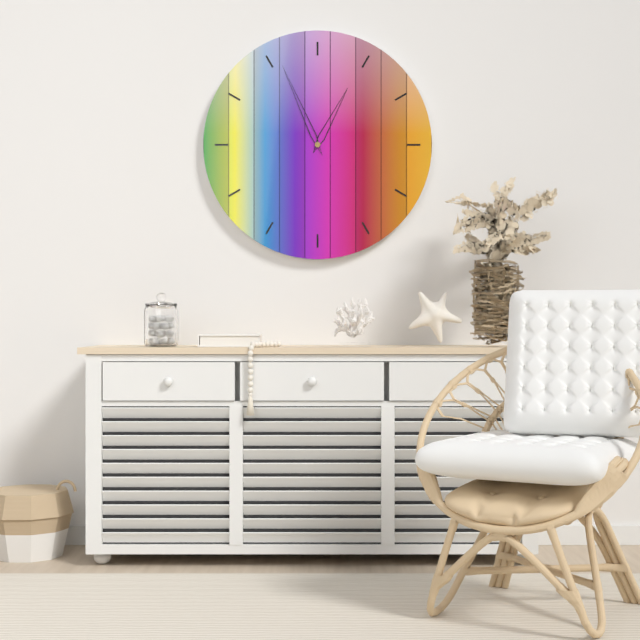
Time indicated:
12h56
